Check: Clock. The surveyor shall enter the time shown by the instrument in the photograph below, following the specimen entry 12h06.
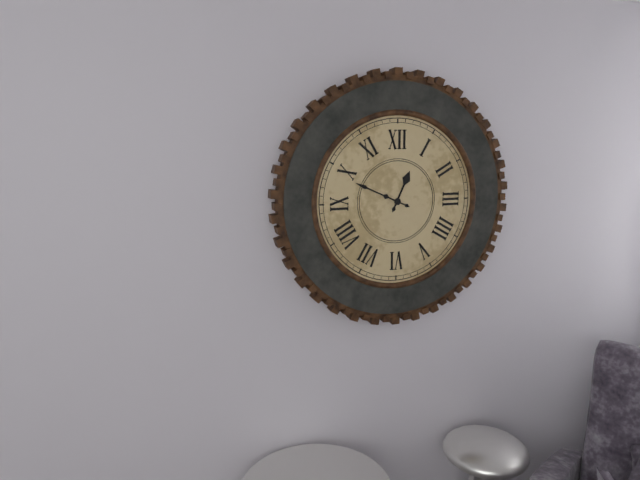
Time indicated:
12h49
